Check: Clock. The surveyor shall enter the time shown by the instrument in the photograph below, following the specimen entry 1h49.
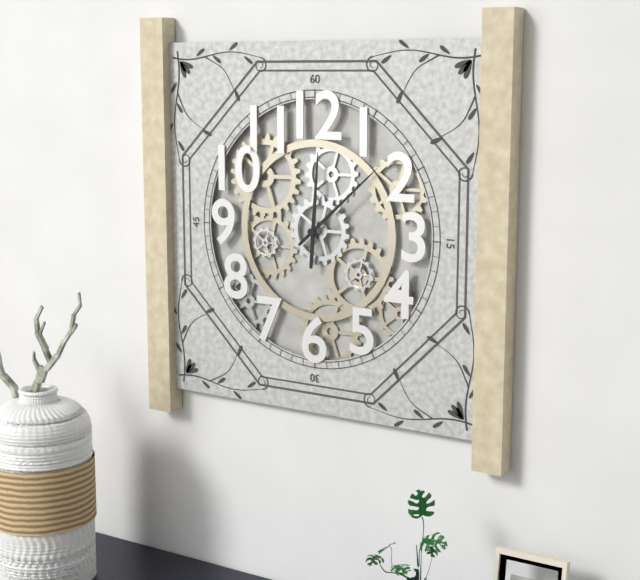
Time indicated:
12h08
